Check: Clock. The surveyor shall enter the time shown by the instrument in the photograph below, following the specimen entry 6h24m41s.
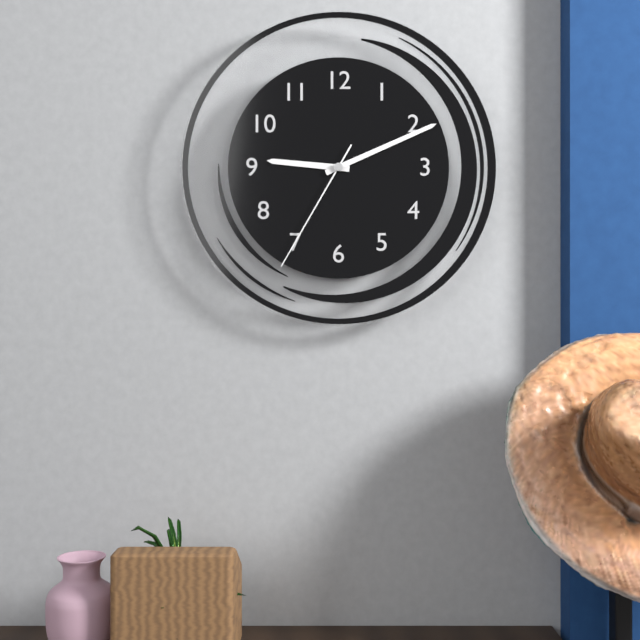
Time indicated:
9h11m35s
